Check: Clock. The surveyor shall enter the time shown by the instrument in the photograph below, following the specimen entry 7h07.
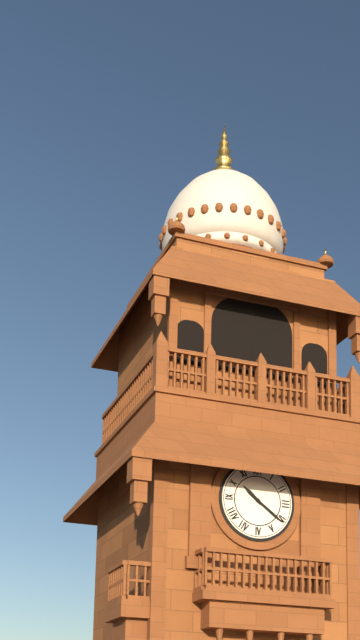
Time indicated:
10h21
